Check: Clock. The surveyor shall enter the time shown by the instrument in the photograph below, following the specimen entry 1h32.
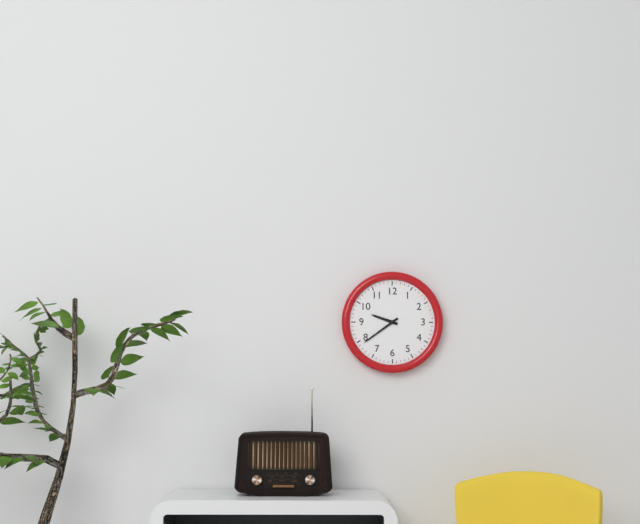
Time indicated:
9h39
